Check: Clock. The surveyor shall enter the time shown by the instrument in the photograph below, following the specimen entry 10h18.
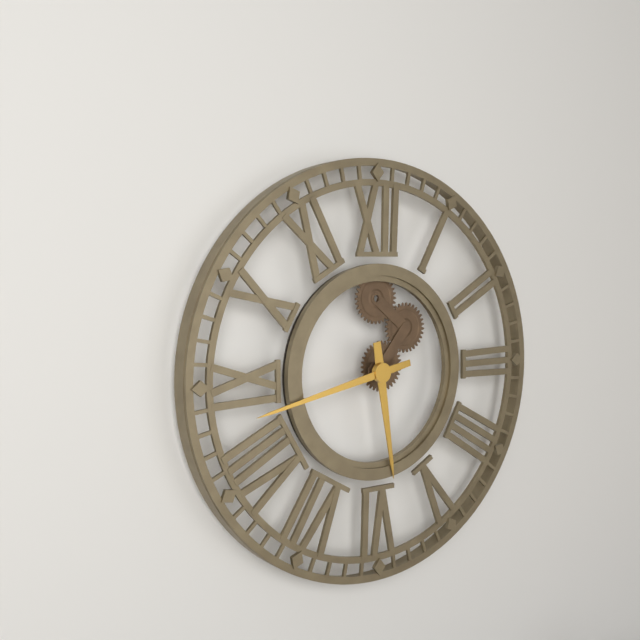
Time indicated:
5h43
